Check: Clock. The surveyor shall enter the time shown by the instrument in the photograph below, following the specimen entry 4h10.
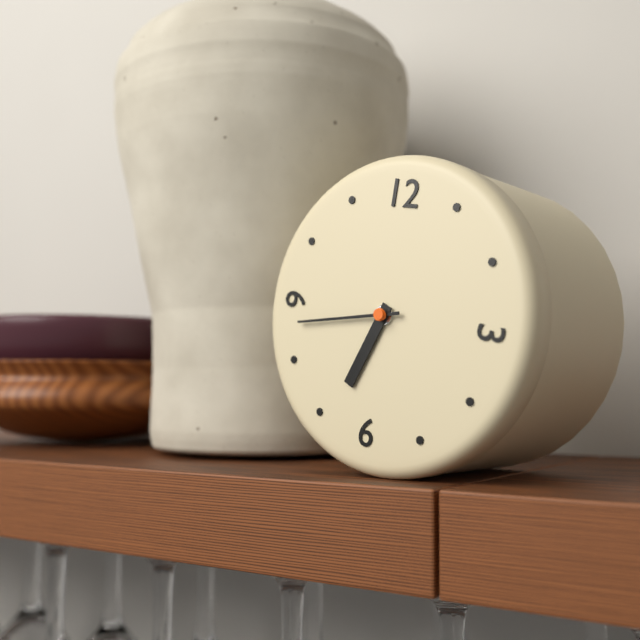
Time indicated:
6h43
